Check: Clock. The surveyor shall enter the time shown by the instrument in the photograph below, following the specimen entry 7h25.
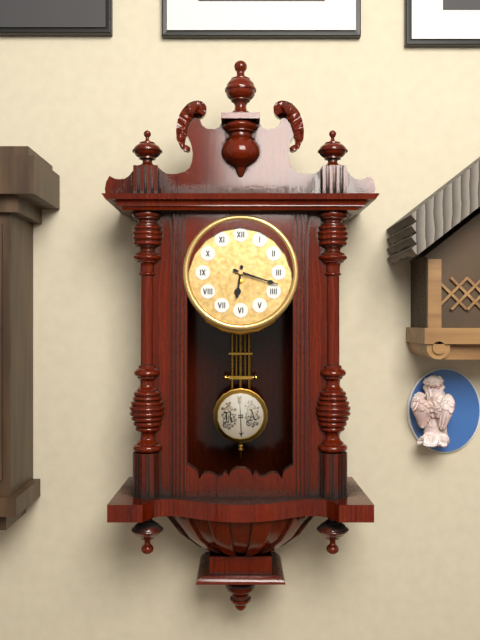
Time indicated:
6h18
